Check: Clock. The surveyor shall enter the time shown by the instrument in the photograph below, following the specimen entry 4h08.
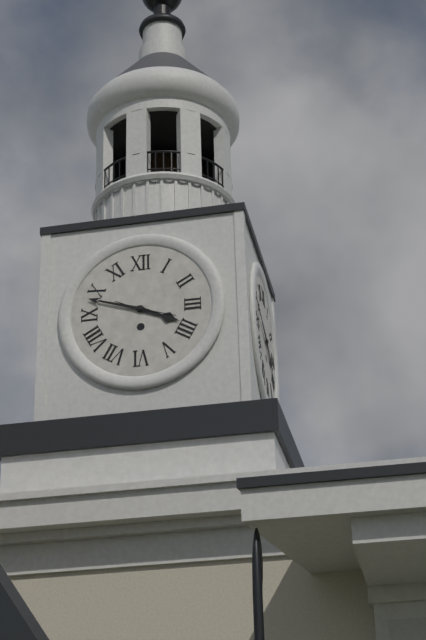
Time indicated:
3h48
